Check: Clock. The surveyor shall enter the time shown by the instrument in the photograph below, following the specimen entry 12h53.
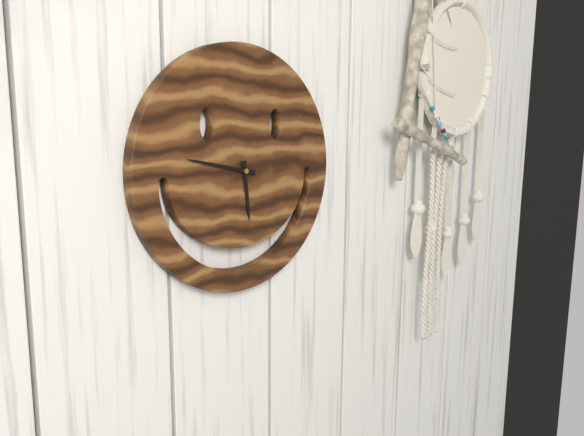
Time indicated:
5h47
